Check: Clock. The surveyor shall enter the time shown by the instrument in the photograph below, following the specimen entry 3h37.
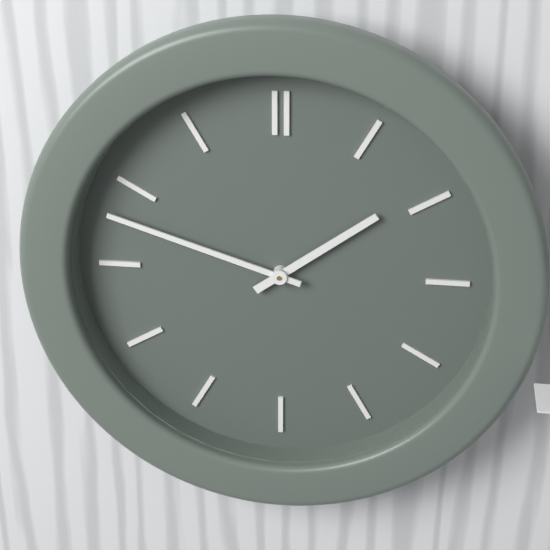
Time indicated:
1h48
